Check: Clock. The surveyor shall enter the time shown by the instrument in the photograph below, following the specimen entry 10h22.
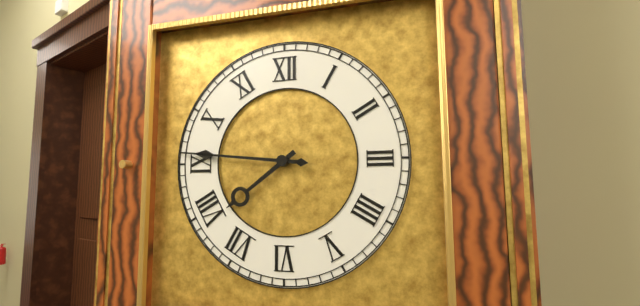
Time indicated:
7h46
